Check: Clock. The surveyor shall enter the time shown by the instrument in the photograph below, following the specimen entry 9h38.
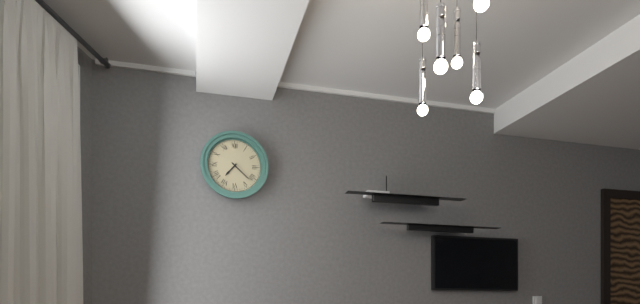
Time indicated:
7h22
